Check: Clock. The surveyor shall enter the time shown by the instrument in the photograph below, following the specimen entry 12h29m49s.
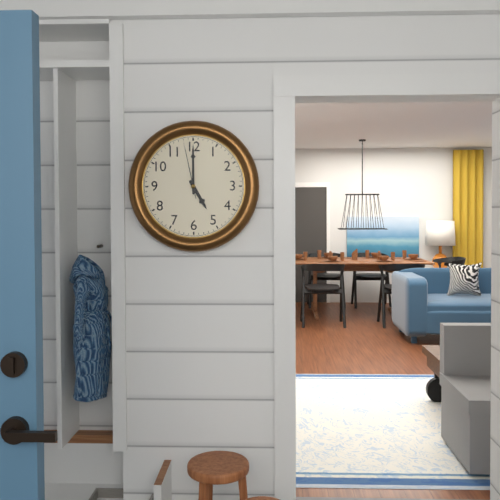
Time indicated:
5h00m58s
